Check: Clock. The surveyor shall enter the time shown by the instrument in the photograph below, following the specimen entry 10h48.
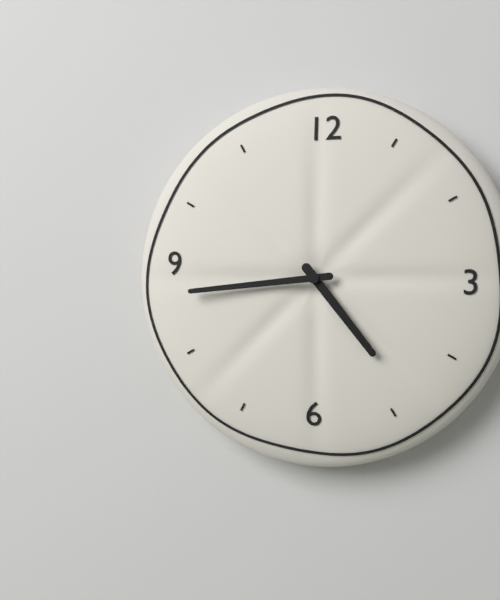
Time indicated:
4h44
